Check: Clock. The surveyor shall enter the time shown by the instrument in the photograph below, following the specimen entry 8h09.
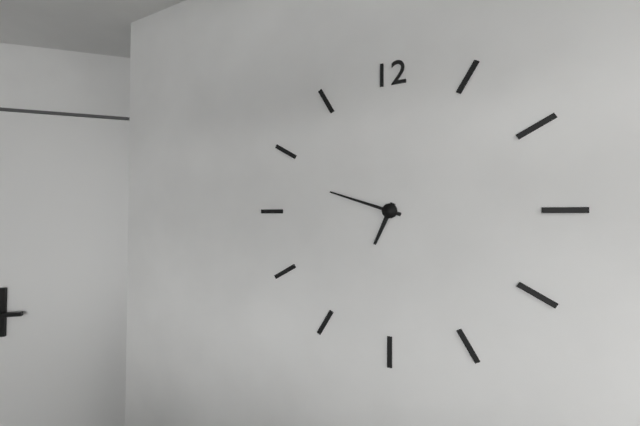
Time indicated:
6h48
